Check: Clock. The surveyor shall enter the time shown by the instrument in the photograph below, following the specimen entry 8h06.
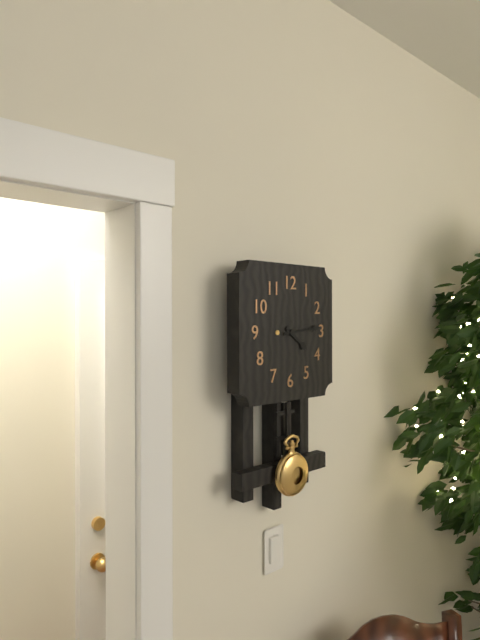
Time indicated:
4h14
